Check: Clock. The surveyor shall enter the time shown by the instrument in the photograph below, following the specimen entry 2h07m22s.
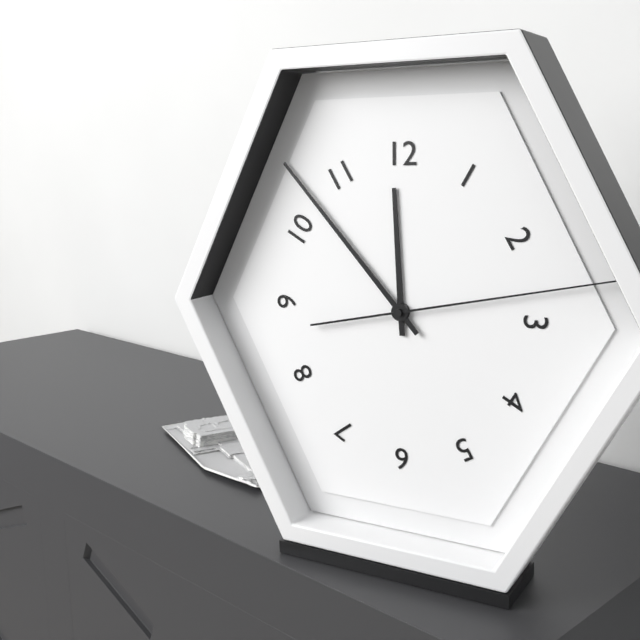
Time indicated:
11h53m13s
